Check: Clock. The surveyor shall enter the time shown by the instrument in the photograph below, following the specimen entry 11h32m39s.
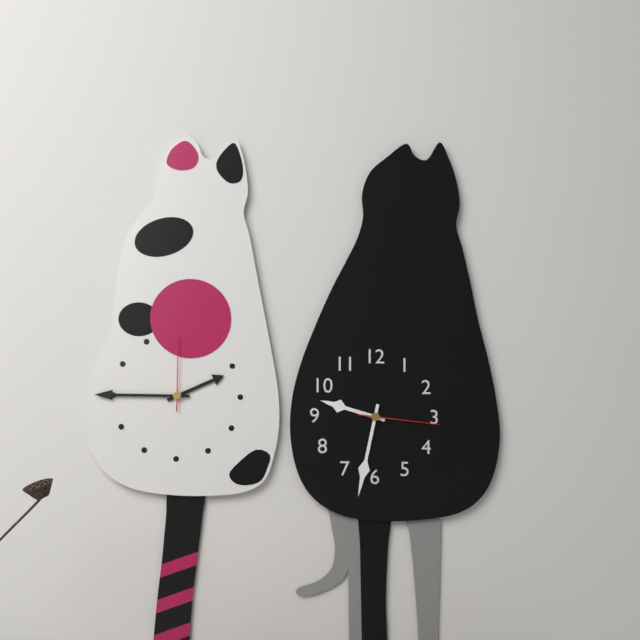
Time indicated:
9h32m16s
